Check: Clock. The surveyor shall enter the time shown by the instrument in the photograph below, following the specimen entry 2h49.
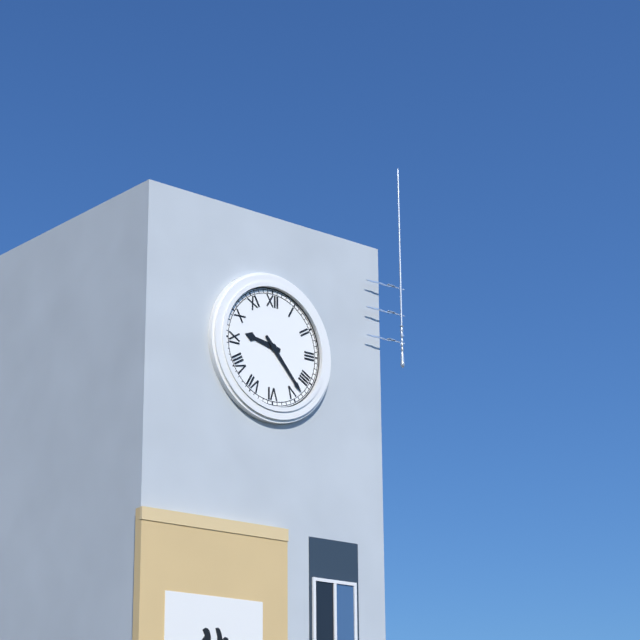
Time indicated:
9h23
